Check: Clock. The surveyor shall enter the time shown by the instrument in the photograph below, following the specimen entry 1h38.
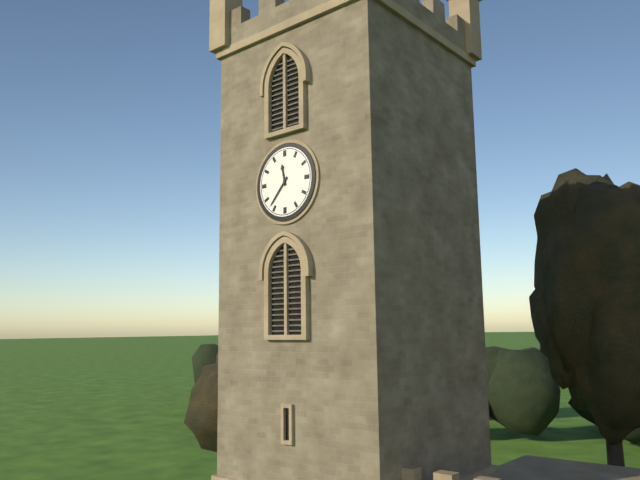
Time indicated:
11h37
